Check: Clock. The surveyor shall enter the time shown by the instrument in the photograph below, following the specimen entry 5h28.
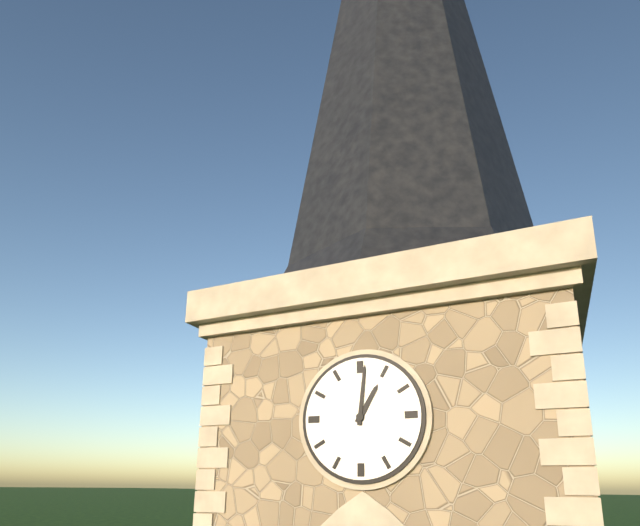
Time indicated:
1h01
